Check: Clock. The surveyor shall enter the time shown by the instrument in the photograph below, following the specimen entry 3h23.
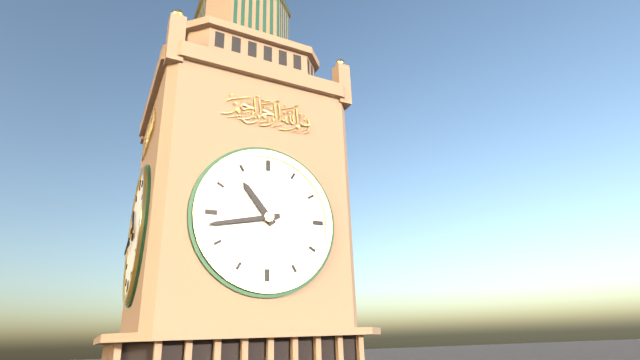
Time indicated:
10h43
